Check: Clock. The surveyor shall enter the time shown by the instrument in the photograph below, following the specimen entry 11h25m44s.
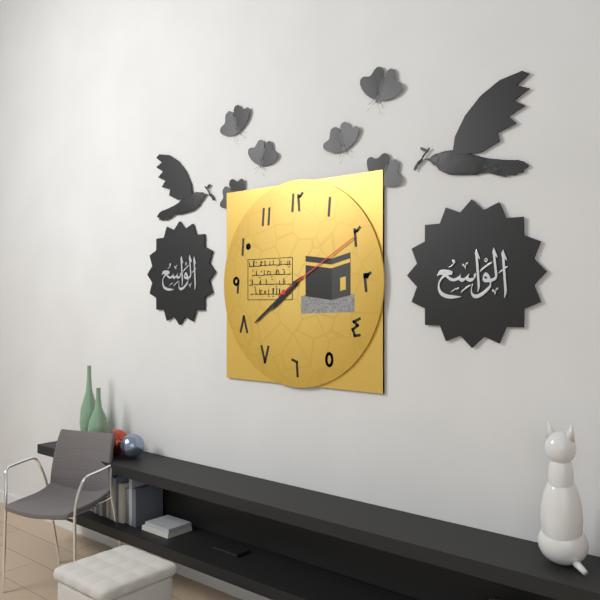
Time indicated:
7h39m10s
